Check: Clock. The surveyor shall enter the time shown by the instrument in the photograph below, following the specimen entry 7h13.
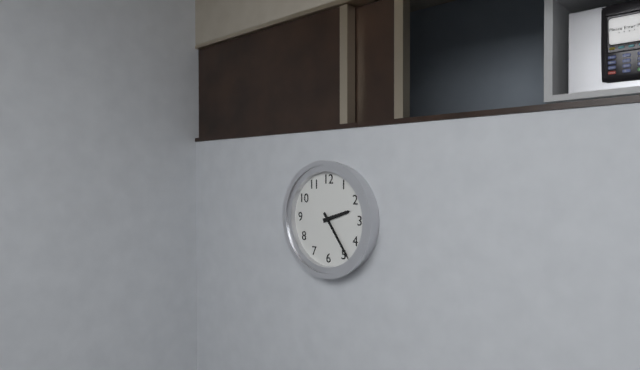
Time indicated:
2h24
